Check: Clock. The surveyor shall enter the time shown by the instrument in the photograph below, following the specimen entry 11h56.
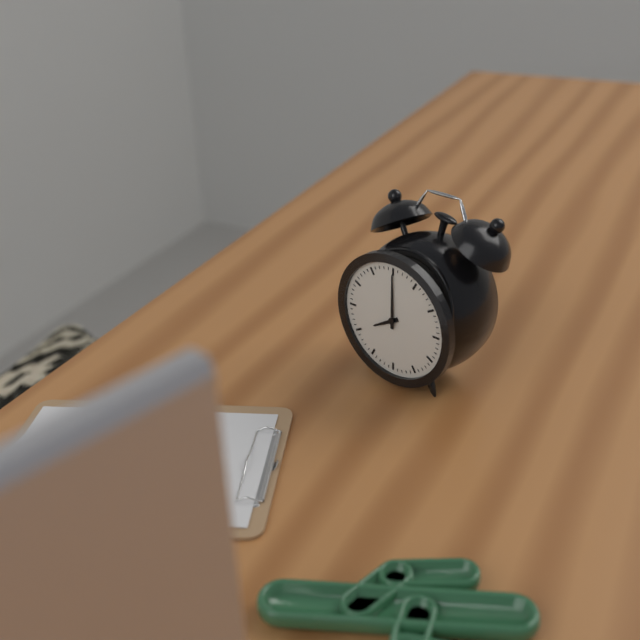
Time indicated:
8h00
